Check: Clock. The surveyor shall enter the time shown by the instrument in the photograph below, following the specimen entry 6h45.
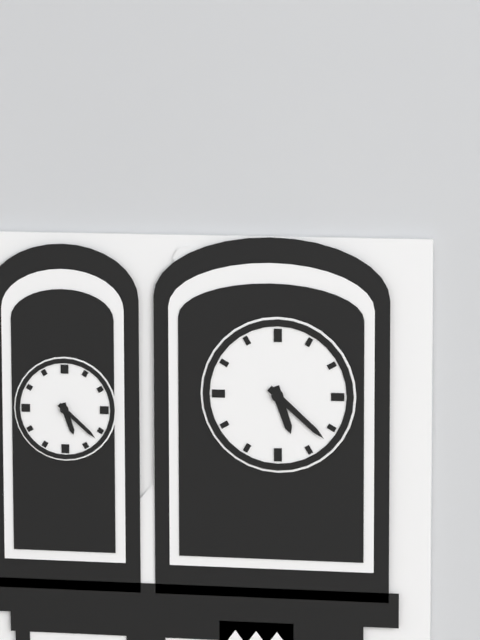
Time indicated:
5h22
